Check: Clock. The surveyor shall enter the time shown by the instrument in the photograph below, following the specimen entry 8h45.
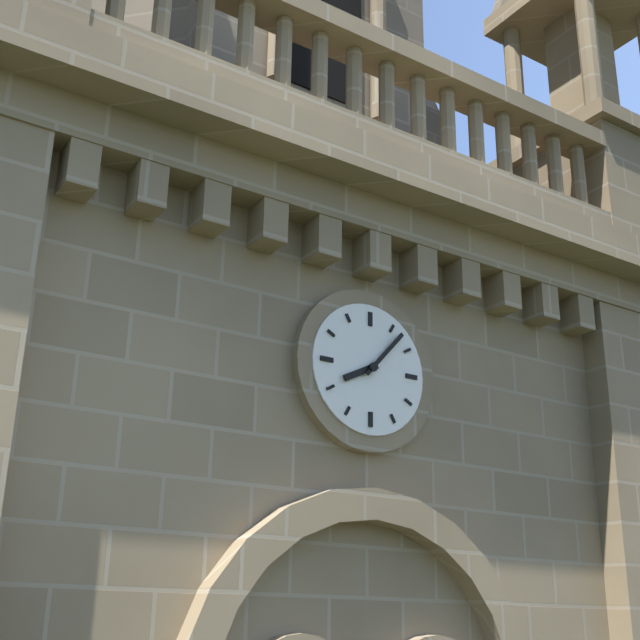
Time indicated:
8h07
